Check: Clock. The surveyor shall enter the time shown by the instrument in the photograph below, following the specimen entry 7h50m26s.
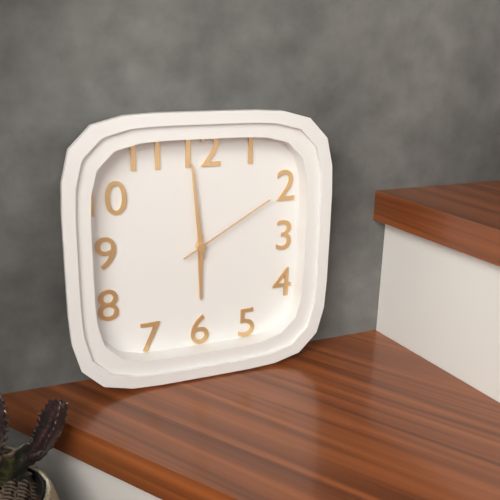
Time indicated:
5h59m10s
